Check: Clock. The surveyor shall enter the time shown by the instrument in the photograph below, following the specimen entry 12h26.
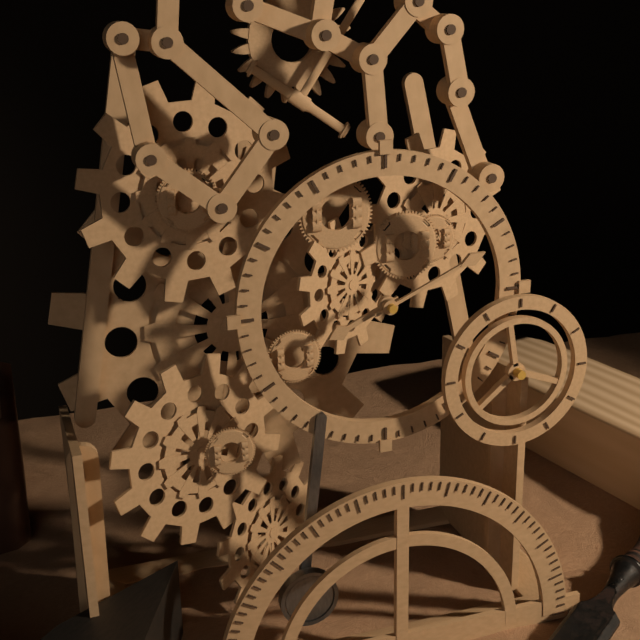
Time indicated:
8h11
